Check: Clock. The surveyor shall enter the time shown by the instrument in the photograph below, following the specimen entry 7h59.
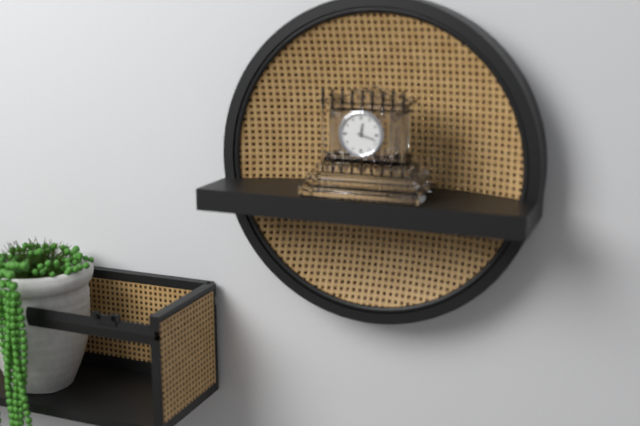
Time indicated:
12h18
